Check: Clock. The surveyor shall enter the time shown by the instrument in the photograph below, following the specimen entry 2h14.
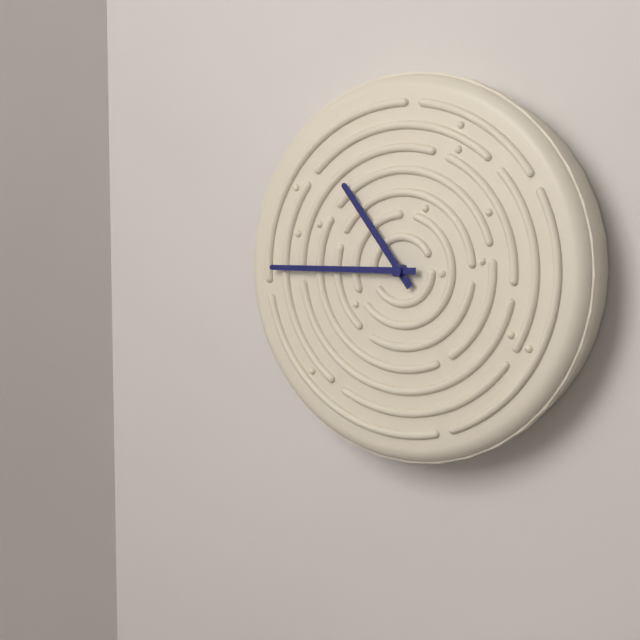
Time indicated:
10h45
